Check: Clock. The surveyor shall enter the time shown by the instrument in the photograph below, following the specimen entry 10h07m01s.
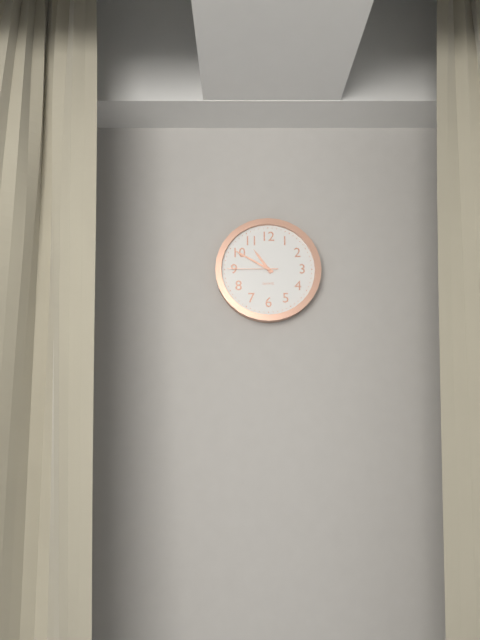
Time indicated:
10h50m45s
